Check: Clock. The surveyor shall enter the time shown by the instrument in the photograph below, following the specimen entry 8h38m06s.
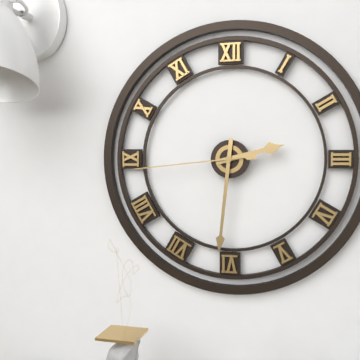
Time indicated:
2h31m44s
